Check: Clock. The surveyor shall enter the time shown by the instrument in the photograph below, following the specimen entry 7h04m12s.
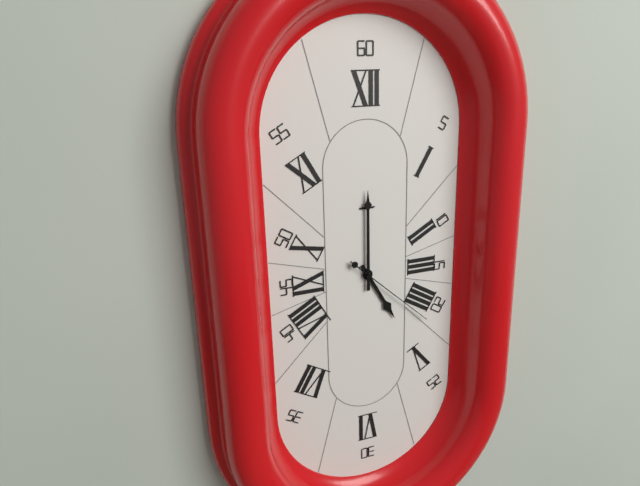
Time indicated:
5h00m22s
